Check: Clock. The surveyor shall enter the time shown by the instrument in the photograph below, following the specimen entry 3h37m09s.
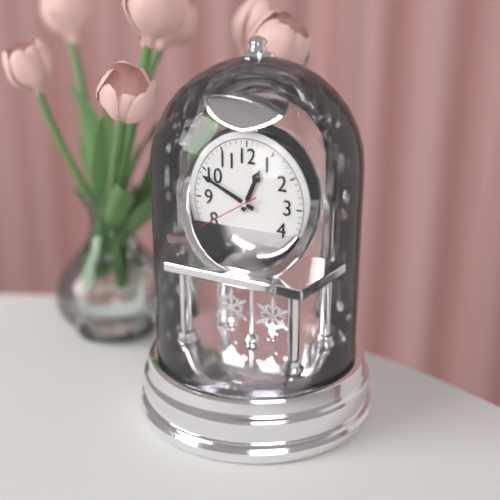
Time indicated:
12h49m40s
